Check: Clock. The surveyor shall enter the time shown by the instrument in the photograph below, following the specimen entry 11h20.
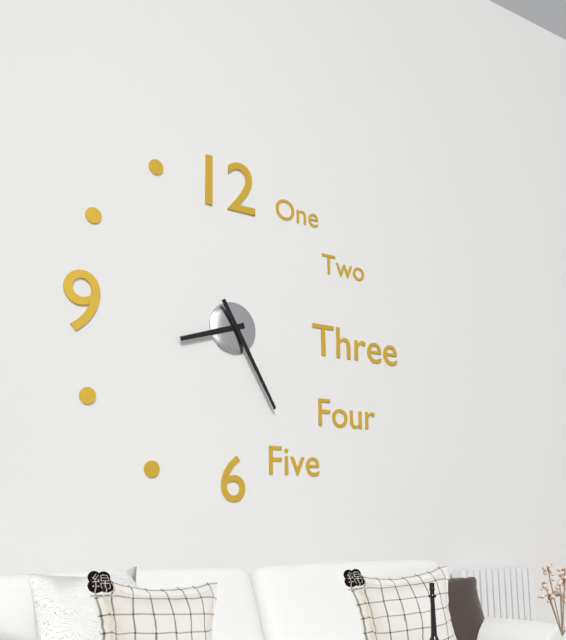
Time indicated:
8h25
